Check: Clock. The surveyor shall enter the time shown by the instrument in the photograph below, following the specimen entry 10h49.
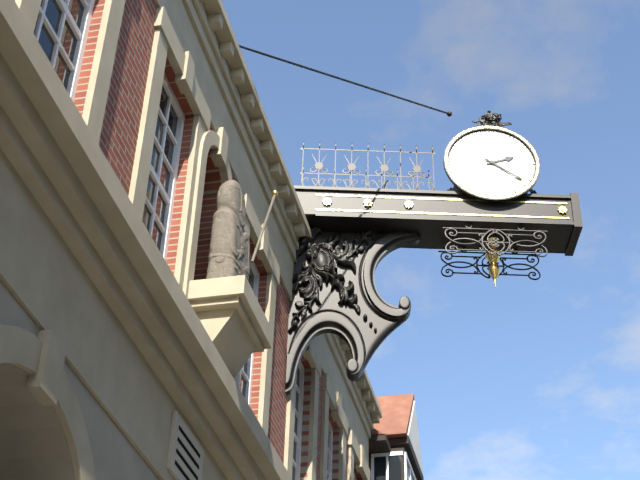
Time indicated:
2h21
